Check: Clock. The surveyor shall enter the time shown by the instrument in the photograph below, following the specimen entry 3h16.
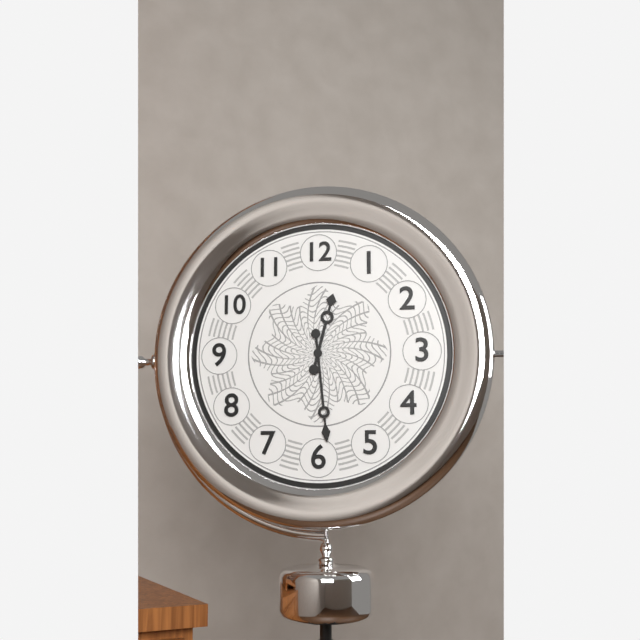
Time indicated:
12h29
